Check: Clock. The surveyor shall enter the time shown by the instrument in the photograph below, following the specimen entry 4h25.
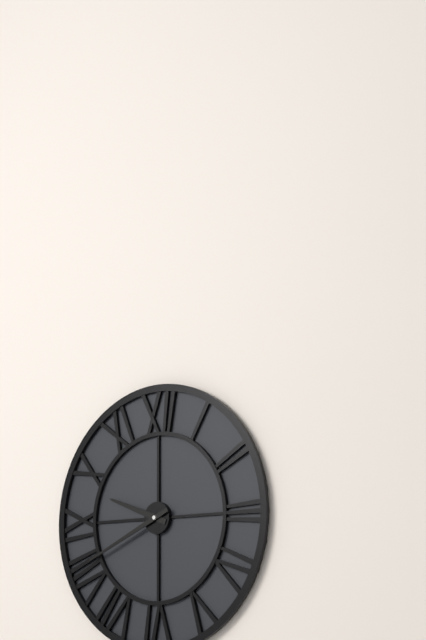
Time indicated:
9h41
